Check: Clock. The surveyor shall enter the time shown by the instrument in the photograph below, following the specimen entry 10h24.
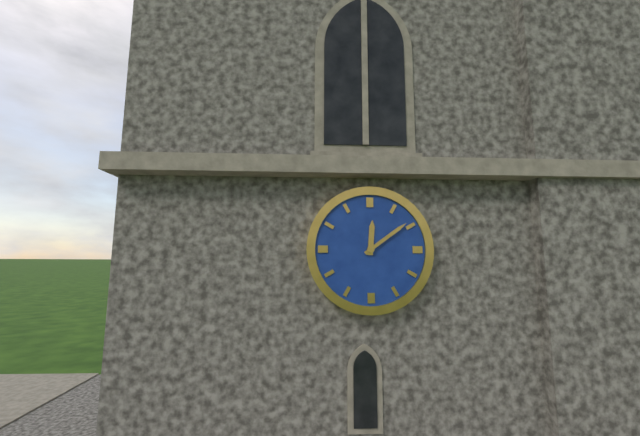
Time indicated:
12h09
